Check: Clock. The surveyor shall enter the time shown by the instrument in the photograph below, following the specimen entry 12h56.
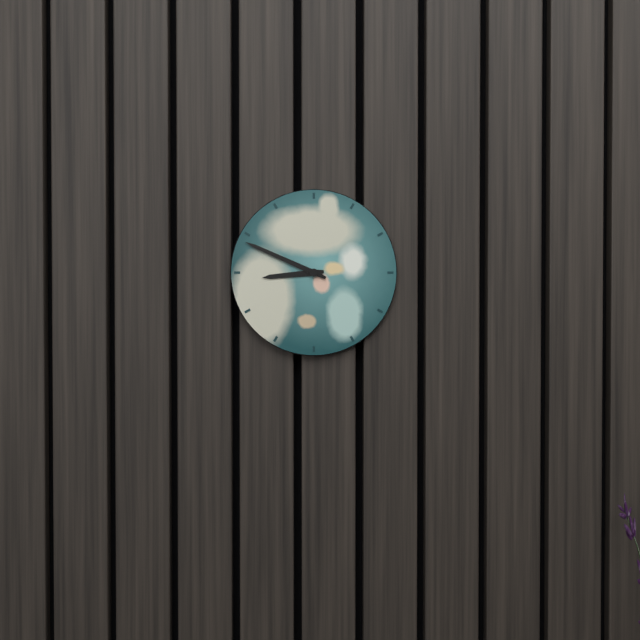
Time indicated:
8h49
